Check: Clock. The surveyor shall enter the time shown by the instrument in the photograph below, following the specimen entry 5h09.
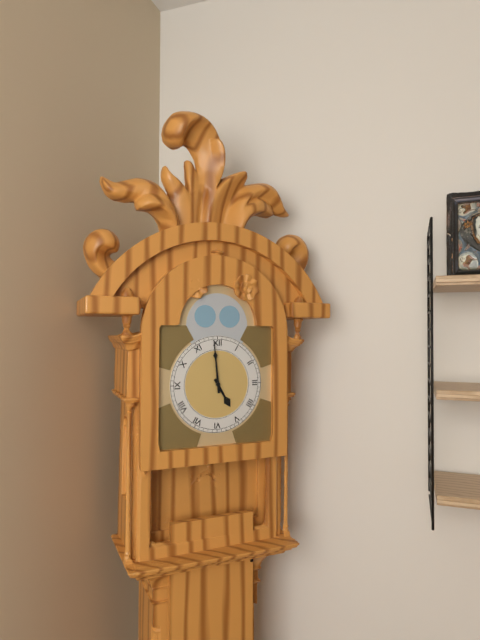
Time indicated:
4h59
